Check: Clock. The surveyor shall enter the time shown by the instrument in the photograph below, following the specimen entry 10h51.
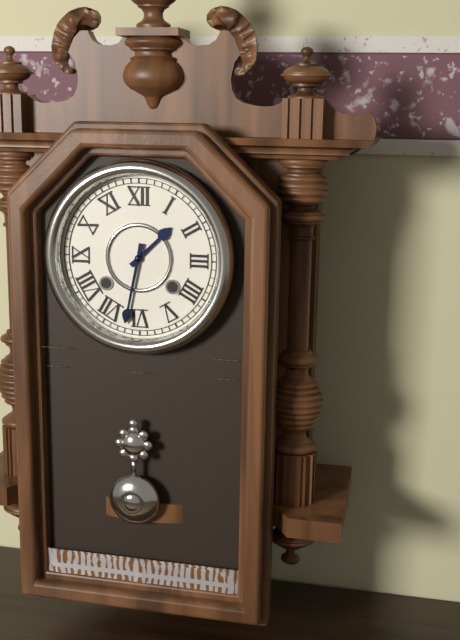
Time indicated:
1h32
